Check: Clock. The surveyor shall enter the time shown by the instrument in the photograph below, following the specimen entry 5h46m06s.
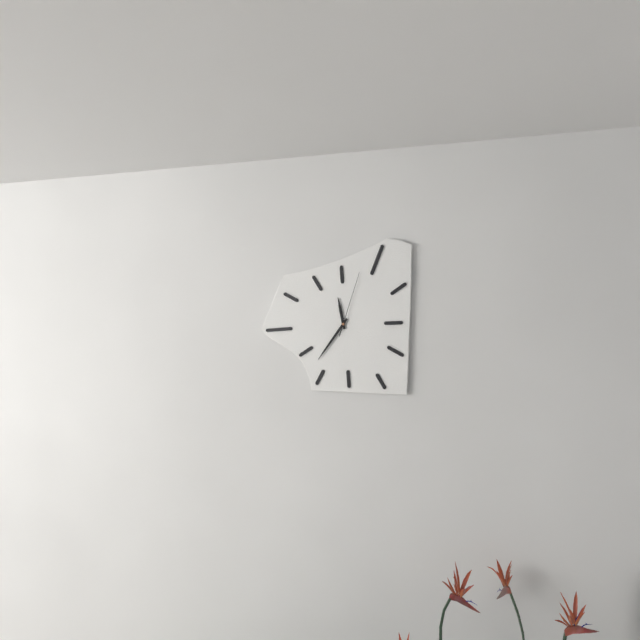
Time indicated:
11h36m03s
